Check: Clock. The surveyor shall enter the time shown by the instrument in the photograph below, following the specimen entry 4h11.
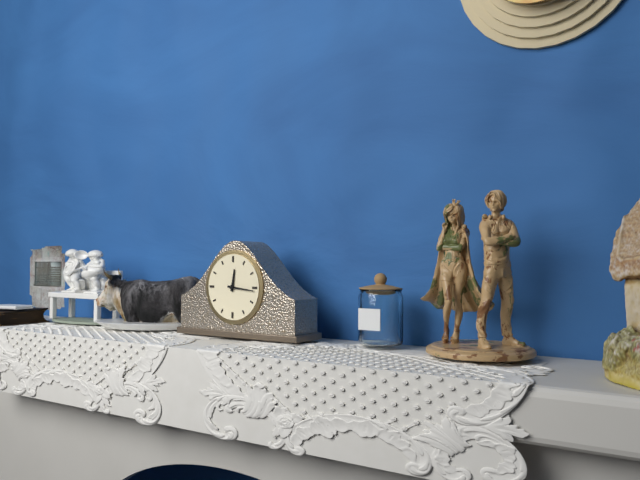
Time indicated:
12h16
